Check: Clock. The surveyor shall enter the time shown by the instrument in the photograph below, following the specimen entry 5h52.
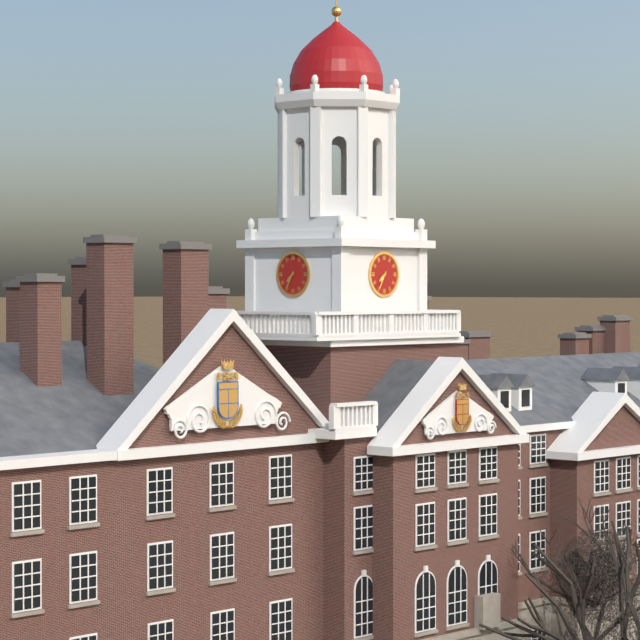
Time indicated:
7h35
